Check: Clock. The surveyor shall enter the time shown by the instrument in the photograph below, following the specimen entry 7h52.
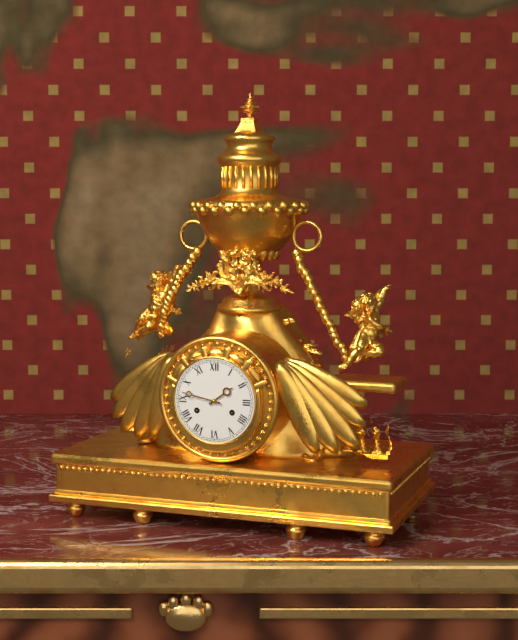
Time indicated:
1h47
